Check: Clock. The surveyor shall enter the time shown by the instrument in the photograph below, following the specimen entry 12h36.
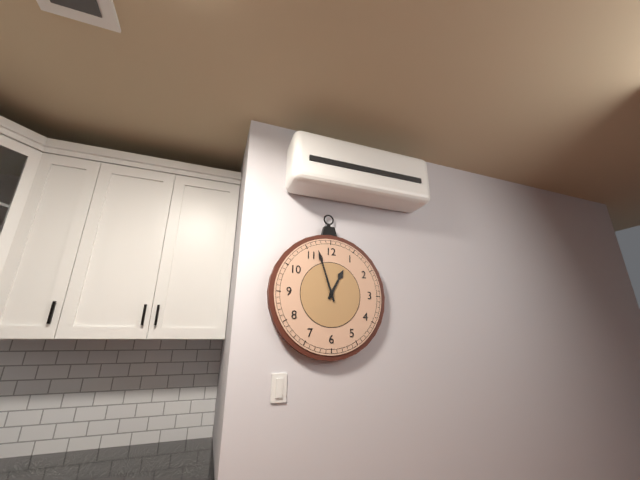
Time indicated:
12h57
